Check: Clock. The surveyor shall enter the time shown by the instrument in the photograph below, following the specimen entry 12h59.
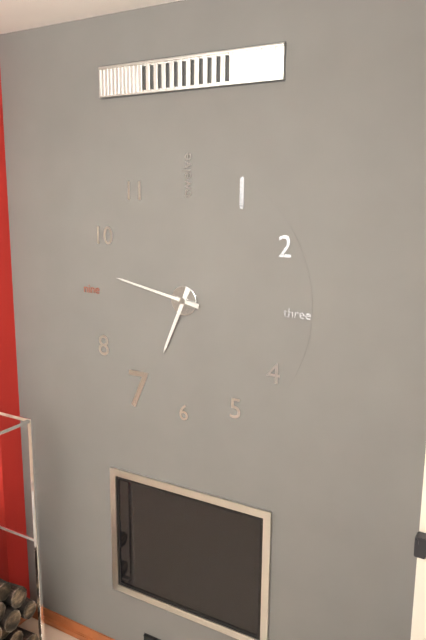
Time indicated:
6h47
